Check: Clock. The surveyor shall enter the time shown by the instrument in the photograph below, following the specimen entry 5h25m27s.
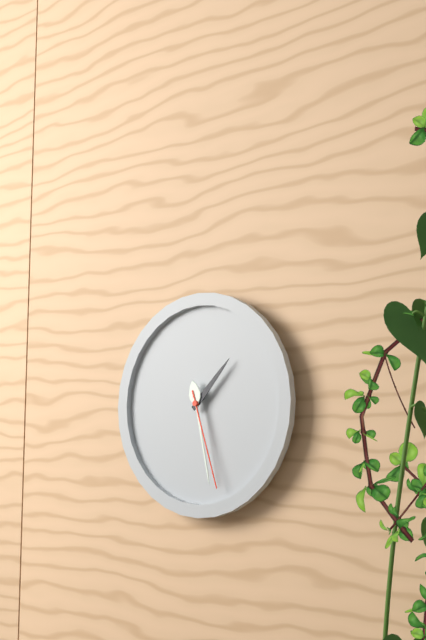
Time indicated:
1h28m27s
